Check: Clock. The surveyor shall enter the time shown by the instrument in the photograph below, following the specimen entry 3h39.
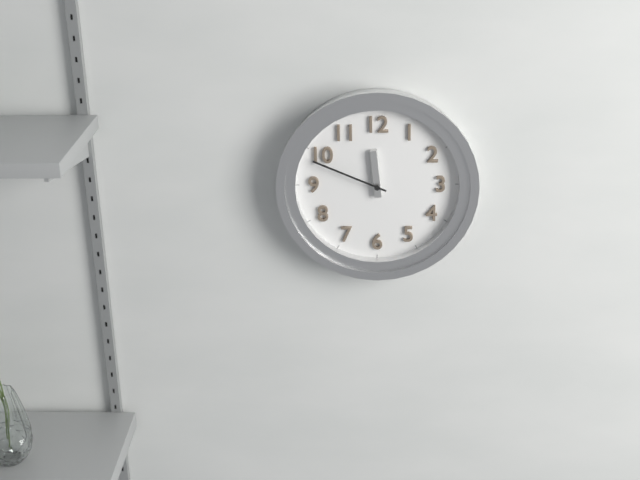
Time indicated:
11h49
